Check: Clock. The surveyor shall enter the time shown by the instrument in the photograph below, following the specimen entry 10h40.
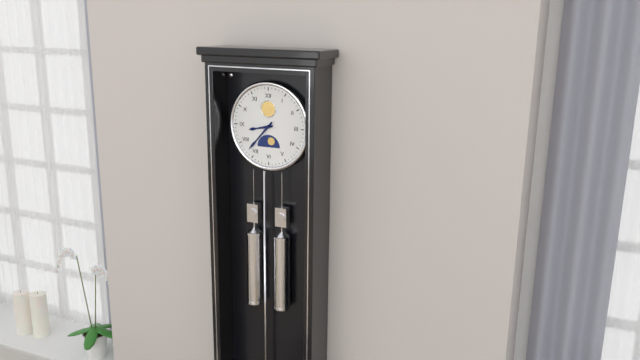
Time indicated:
8h37
